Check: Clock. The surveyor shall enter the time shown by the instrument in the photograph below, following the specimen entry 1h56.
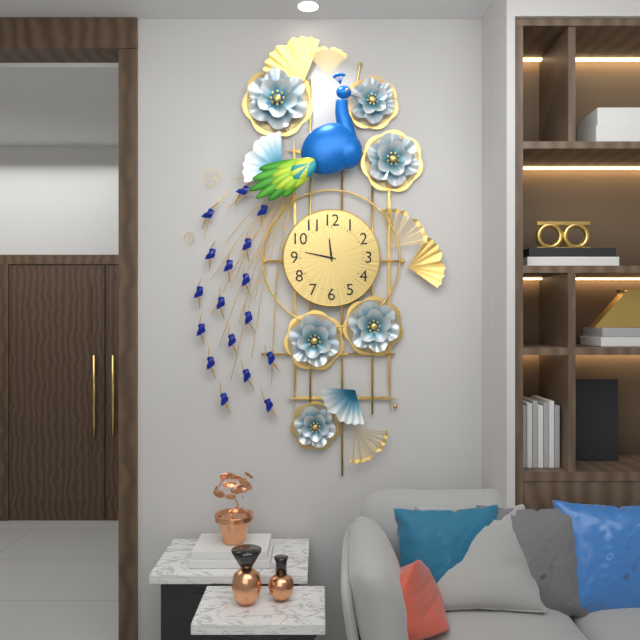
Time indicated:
11h47
